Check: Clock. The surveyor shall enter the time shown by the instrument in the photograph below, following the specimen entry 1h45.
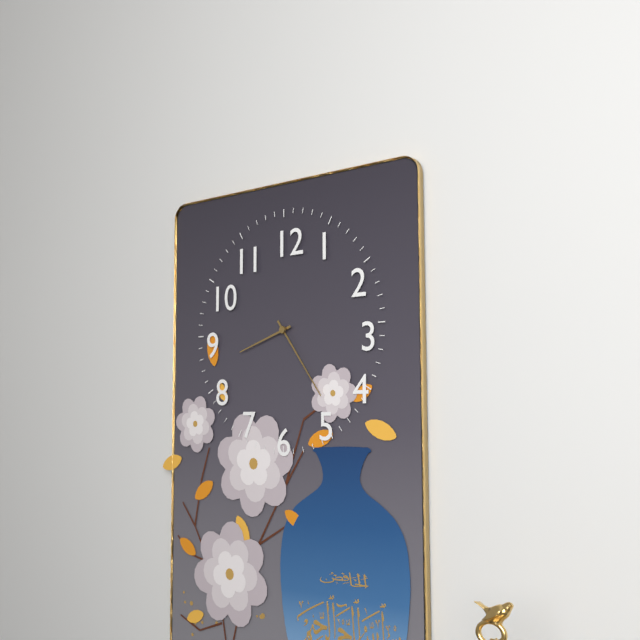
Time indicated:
8h24
